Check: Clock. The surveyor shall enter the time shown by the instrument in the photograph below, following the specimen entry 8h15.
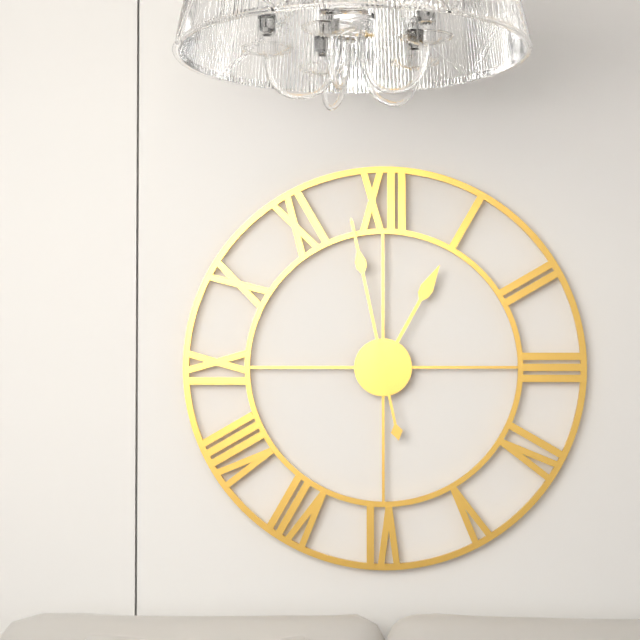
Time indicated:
12h58
